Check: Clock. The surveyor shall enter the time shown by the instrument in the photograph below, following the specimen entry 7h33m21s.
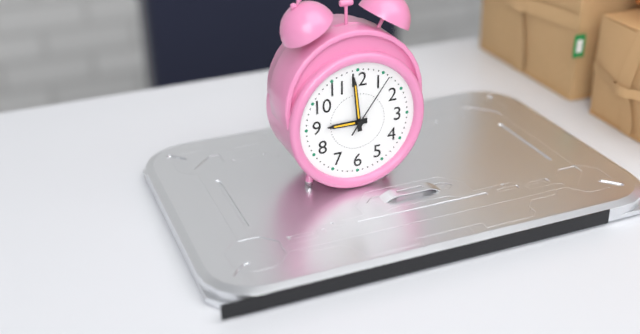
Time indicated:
8h59m06s
